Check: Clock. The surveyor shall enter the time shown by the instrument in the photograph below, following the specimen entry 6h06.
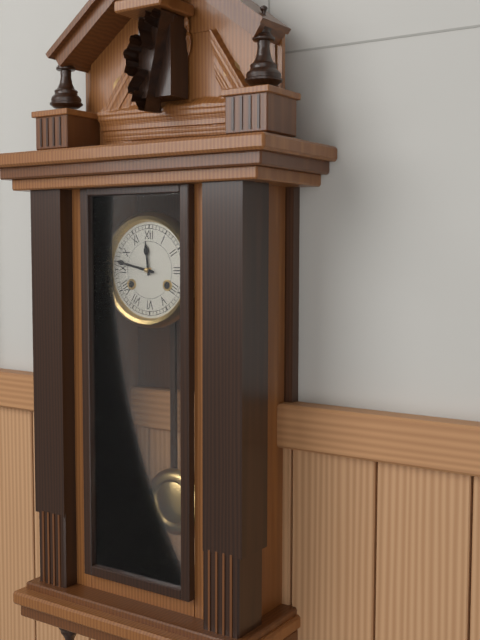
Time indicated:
11h47
